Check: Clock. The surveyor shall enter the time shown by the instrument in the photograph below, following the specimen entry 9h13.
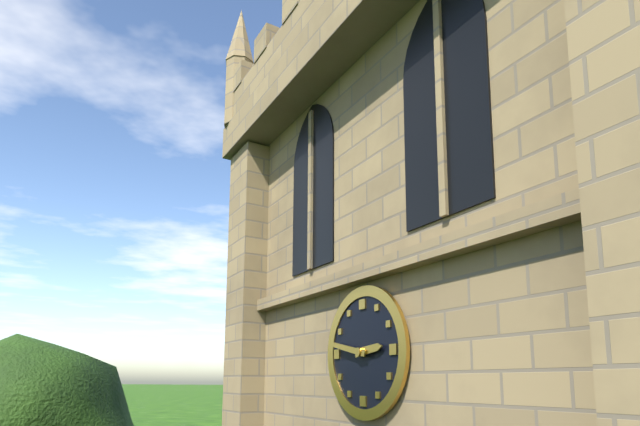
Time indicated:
2h47
